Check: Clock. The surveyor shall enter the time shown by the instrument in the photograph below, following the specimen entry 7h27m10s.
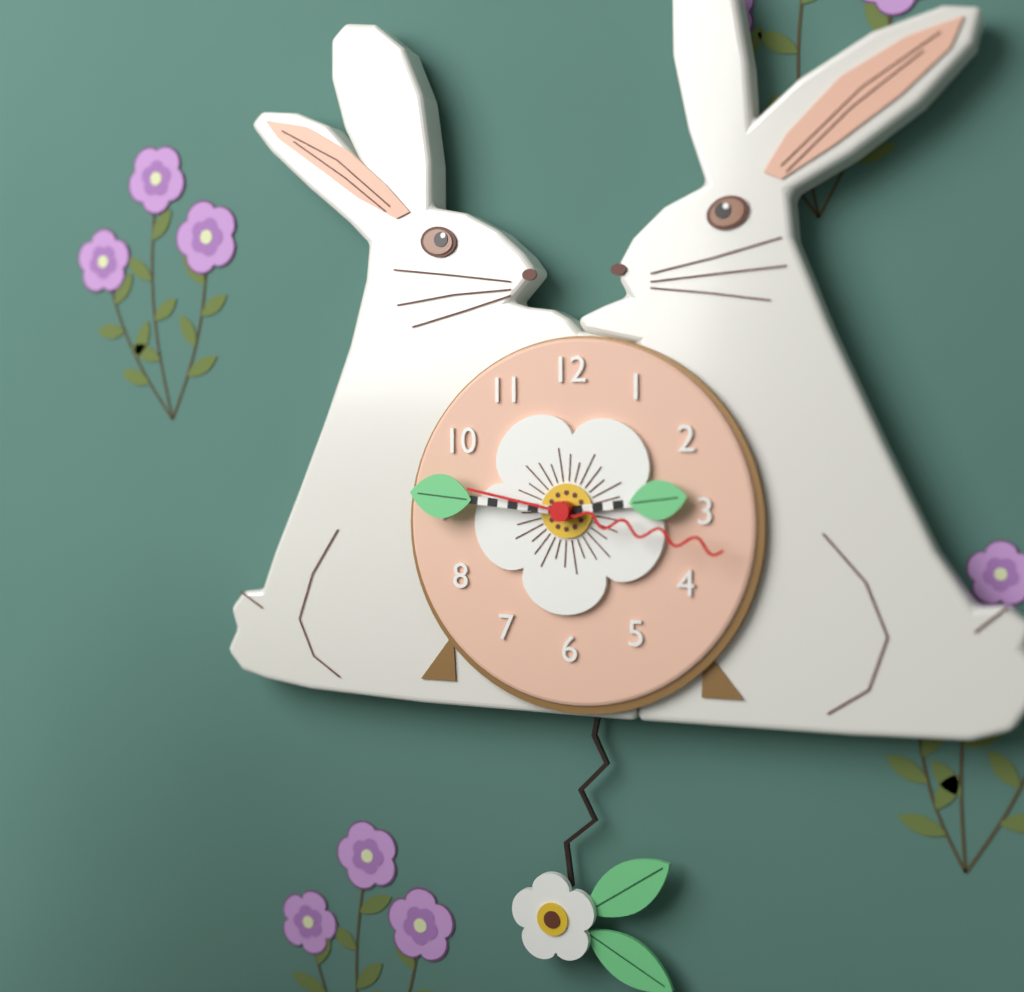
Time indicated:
2h46m17s
